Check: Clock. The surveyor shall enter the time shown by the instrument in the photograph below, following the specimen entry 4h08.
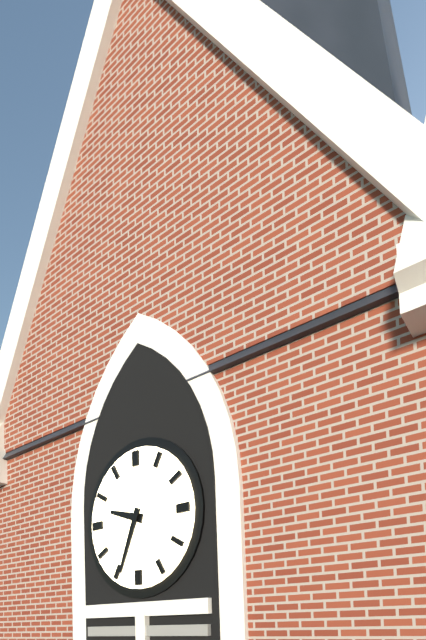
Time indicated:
9h34
